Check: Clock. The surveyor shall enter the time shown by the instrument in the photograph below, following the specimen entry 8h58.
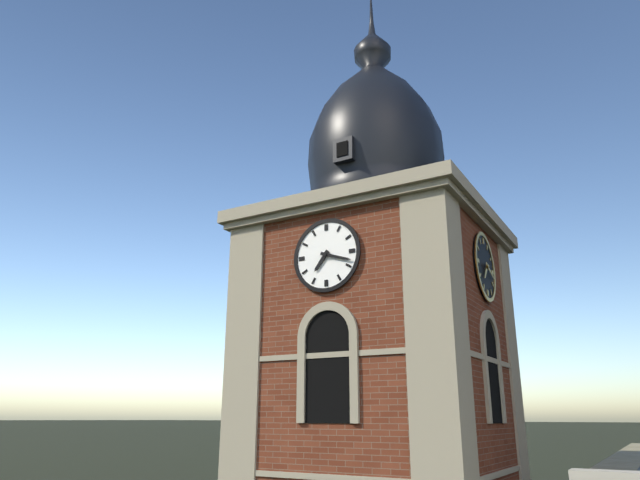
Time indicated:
7h18
